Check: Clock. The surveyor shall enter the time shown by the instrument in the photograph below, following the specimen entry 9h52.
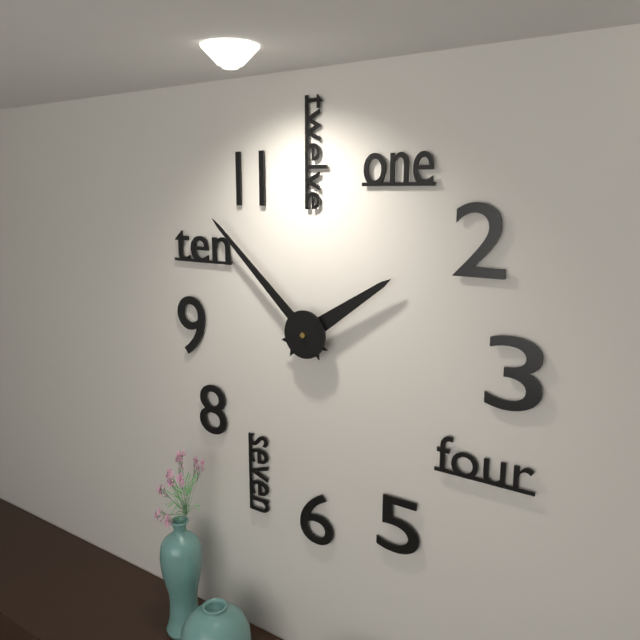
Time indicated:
1h52
